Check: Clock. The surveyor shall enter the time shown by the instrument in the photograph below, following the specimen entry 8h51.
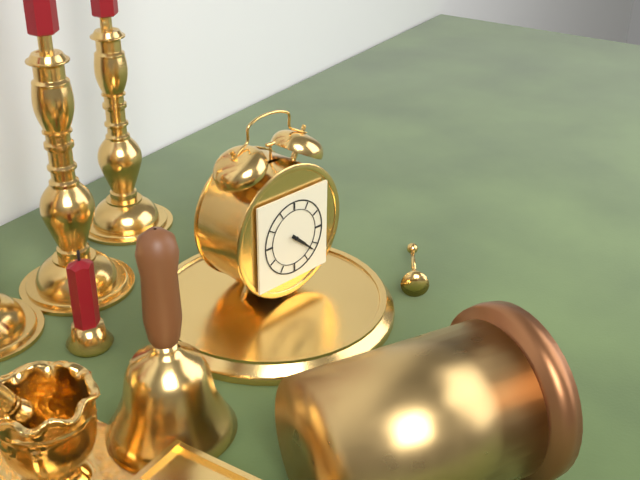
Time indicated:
4h22
